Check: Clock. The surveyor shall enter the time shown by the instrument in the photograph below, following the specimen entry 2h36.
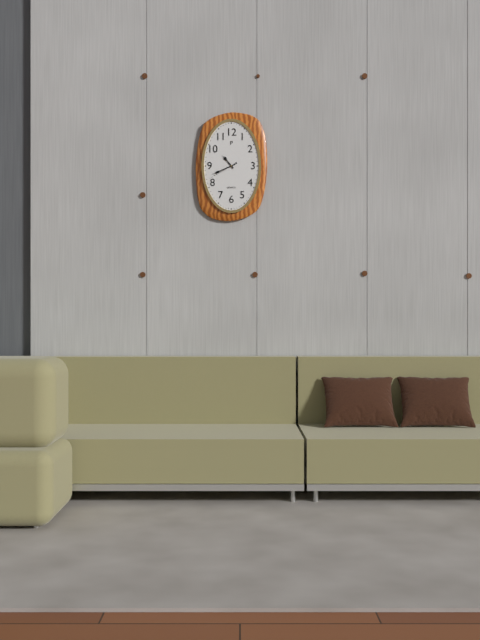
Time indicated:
10h41
